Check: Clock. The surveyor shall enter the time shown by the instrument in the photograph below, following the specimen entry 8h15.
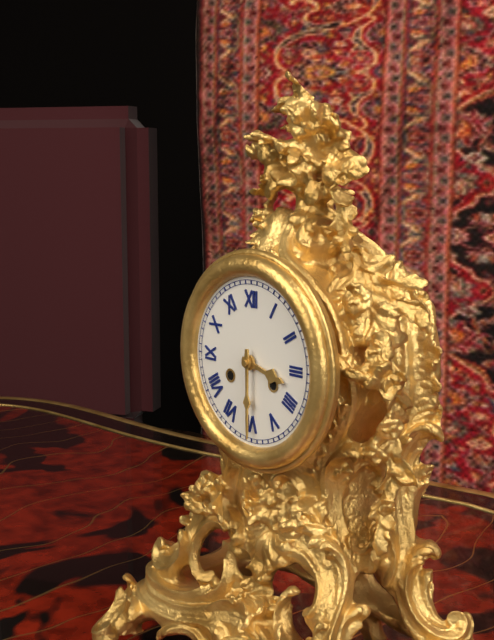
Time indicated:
3h30
